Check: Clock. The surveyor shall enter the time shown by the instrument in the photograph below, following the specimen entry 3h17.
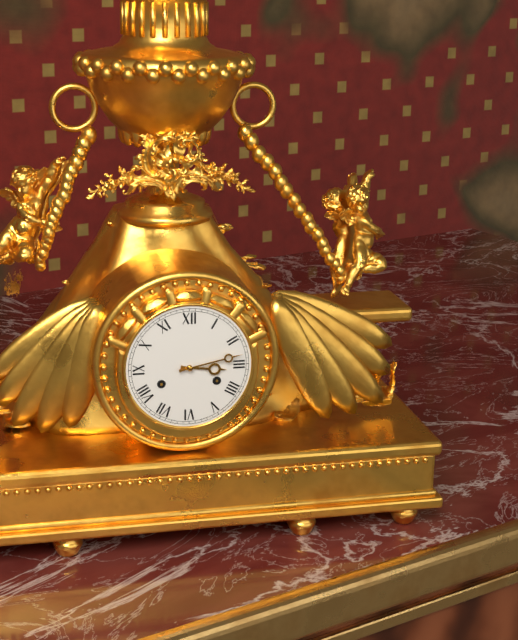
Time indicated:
3h13
